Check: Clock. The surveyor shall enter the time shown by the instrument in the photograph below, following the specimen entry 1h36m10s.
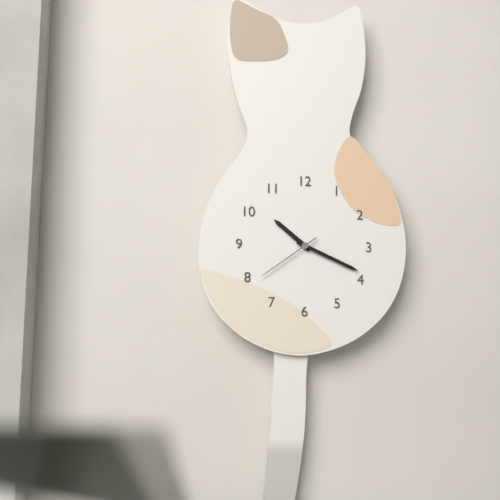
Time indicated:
10h19m39s
